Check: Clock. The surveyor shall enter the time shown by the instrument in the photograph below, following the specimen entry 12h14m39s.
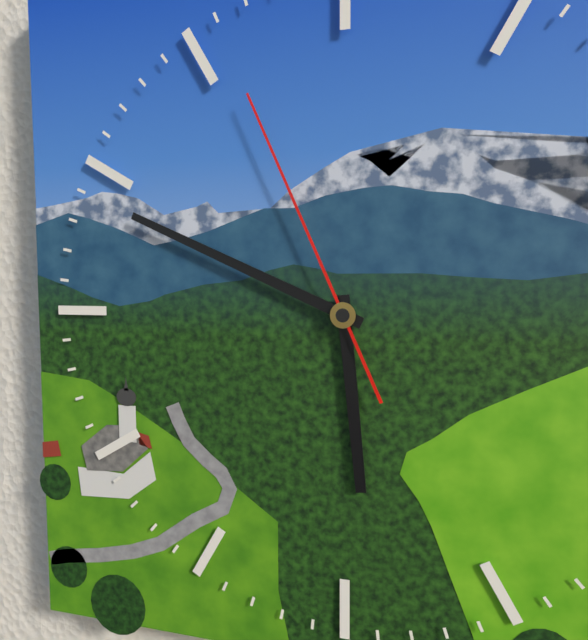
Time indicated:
5h49m56s
